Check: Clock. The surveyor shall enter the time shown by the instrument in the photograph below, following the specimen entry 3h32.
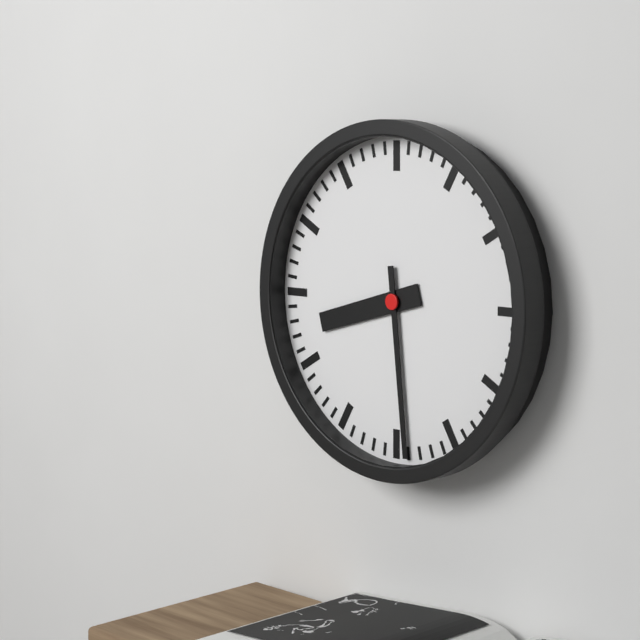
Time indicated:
8h29
